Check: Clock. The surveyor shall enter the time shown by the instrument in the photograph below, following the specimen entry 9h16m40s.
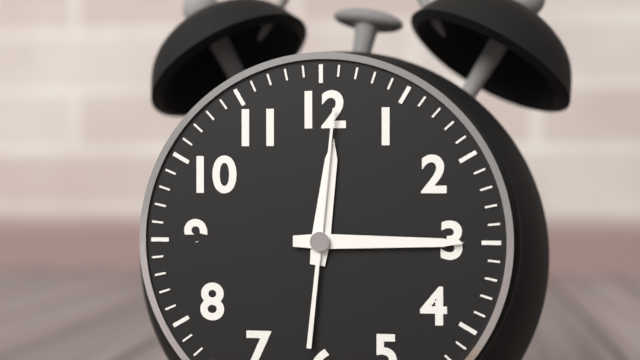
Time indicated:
12h15m01s
